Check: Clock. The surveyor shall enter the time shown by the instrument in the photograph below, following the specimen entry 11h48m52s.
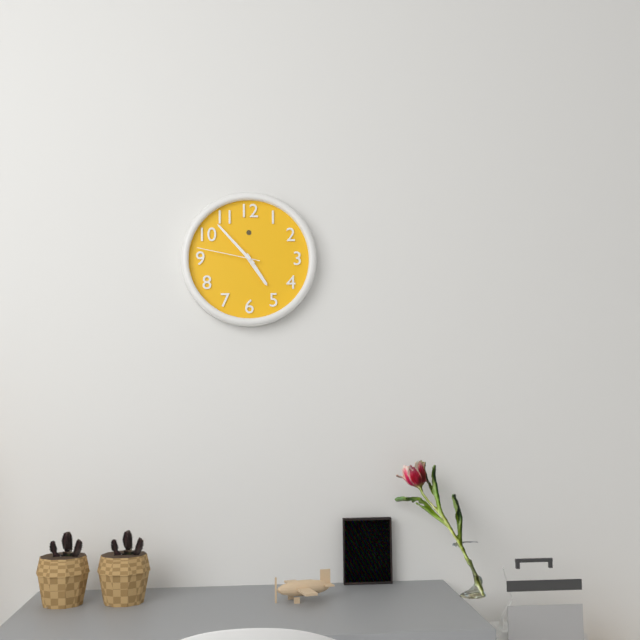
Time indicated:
4h53m47s
